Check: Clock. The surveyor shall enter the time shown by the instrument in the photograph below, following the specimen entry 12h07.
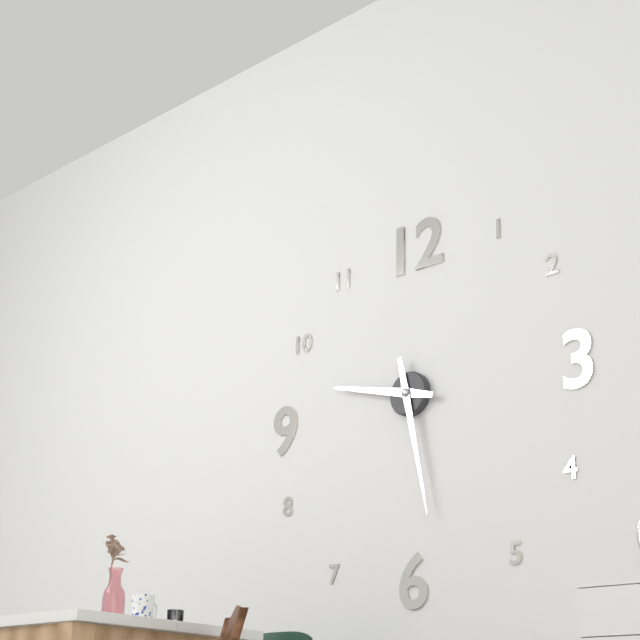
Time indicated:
9h28
